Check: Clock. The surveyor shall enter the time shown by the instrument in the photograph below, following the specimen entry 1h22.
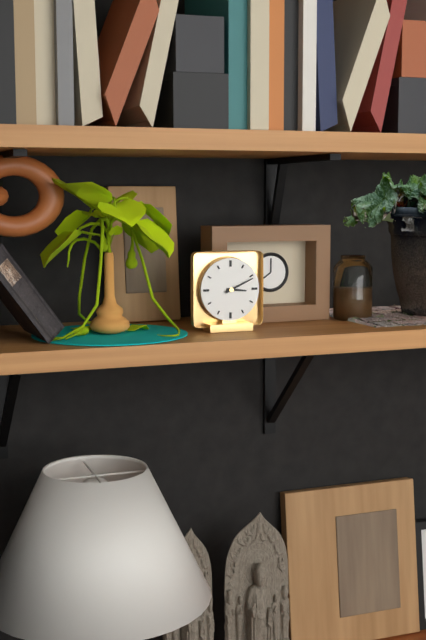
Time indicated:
3h11
